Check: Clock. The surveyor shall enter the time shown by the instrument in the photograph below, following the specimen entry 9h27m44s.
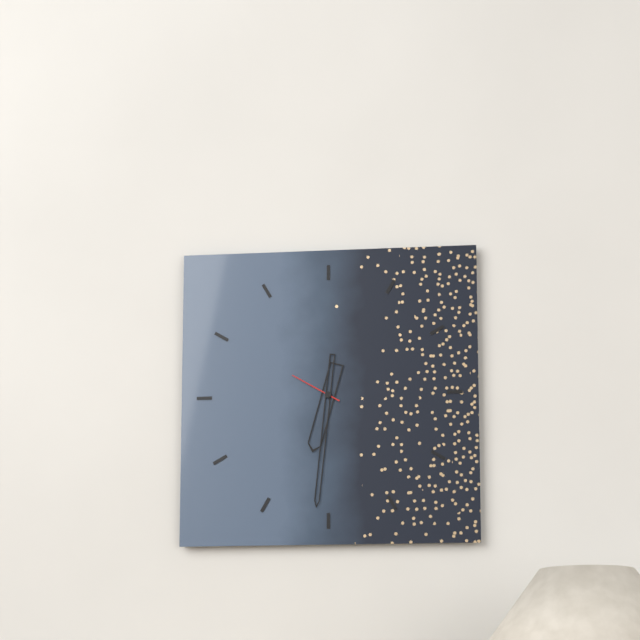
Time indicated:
6h31m50s
